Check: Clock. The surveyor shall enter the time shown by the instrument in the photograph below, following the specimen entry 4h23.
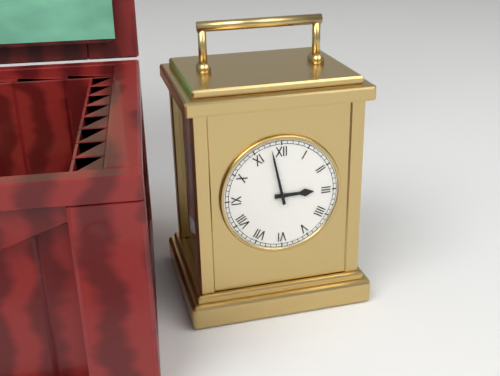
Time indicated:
2h58
